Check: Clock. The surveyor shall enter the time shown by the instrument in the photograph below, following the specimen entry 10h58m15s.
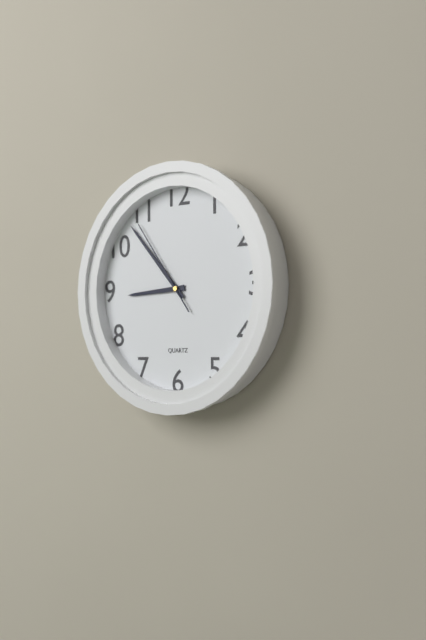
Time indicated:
8h53m54s
